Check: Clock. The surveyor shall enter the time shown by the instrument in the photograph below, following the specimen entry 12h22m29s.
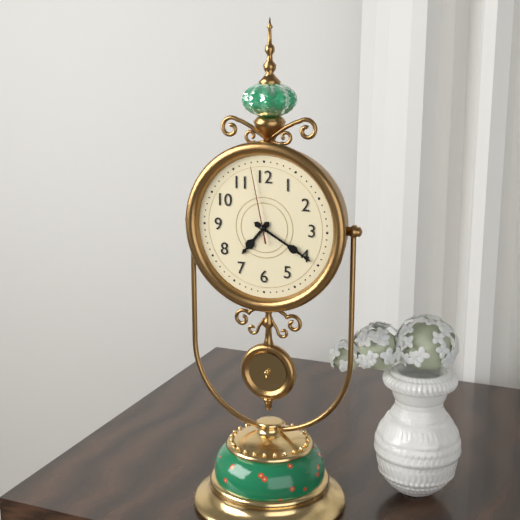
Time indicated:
7h20m58s
